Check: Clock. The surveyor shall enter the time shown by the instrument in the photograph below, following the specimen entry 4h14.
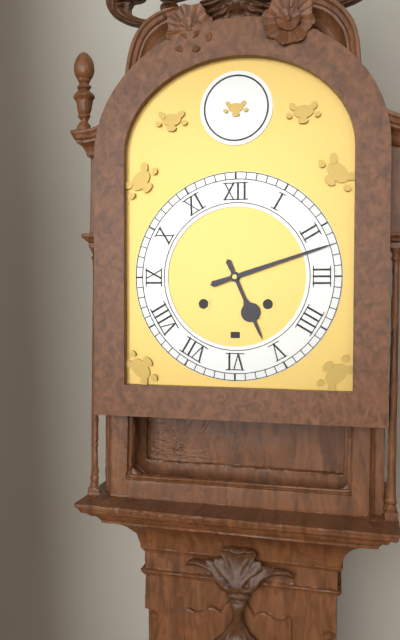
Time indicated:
5h12
